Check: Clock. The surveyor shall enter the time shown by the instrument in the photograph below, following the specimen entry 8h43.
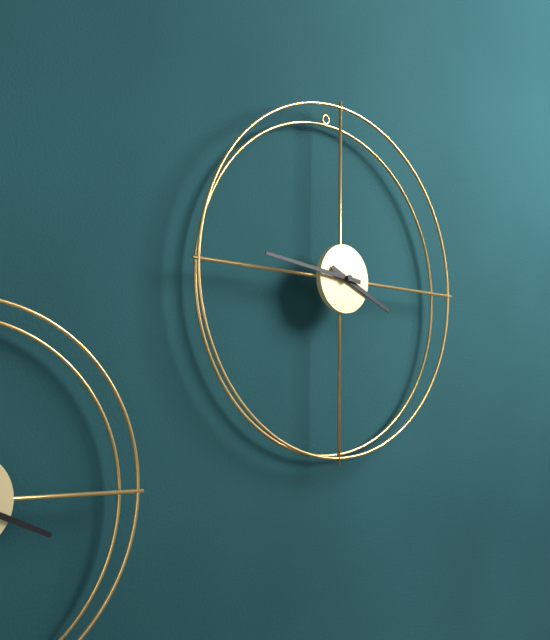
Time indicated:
3h46
